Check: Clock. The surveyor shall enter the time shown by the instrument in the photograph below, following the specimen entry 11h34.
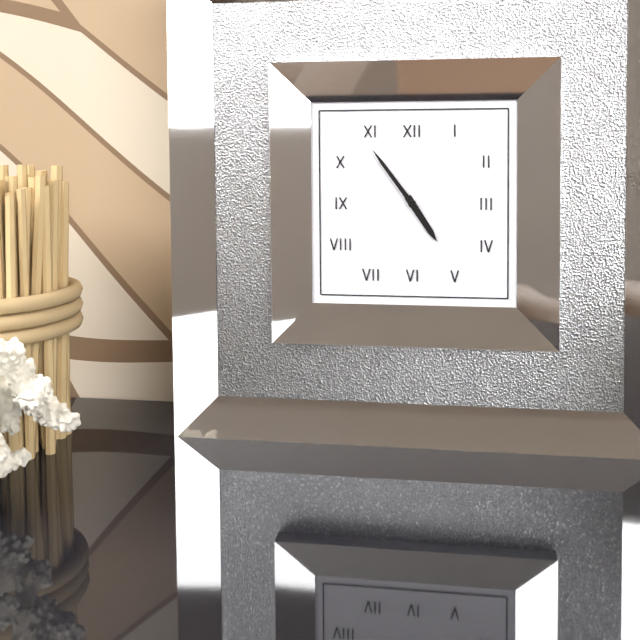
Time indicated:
4h54
